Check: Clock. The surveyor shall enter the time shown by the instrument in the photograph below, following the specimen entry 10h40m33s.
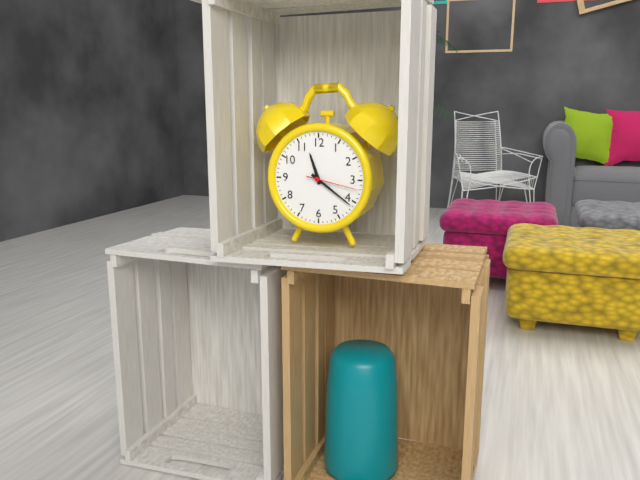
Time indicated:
11h21m17s
